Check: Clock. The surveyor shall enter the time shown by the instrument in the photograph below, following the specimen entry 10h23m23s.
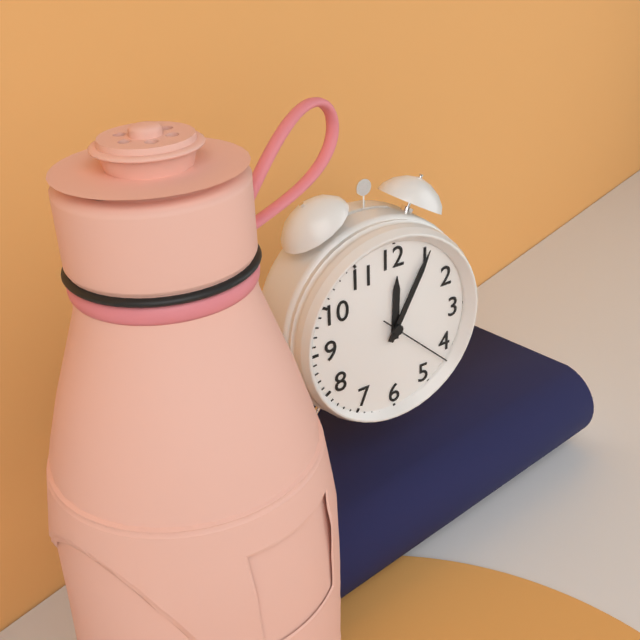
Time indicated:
12h05m22s
